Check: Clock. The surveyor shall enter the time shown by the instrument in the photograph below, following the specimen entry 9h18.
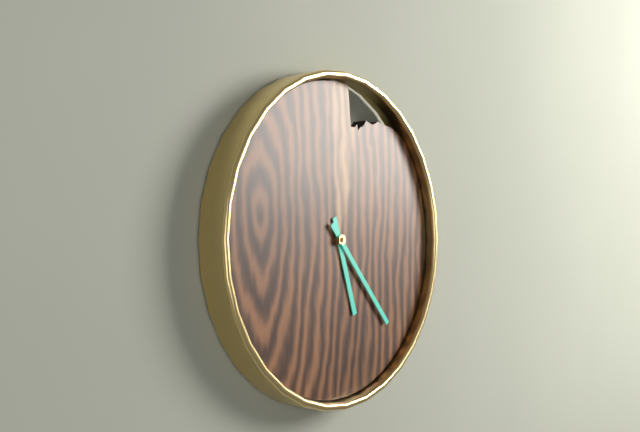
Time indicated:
5h23
